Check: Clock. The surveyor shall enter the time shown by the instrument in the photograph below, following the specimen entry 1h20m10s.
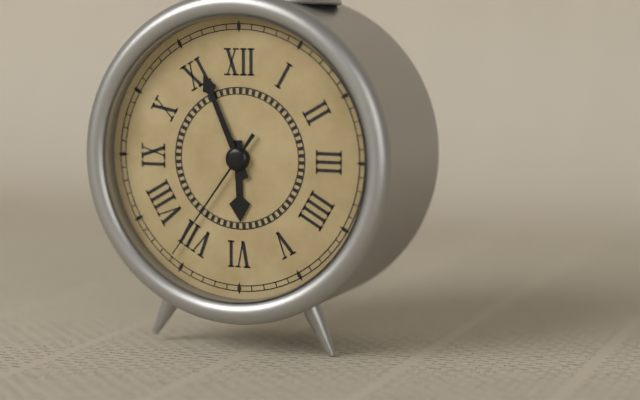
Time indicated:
5h56m36s
